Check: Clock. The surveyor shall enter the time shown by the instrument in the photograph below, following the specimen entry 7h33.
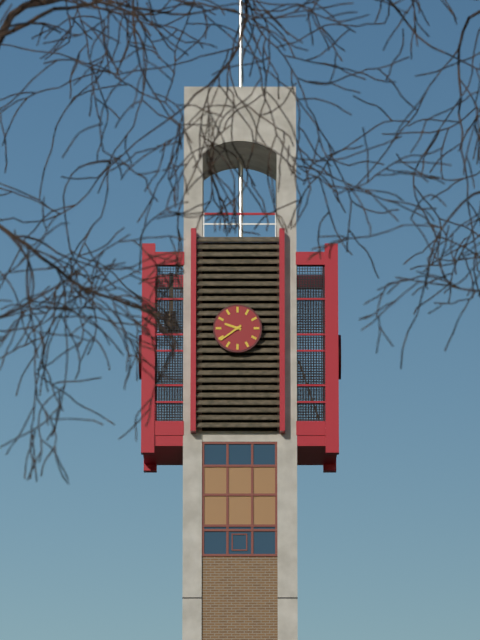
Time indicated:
9h39
